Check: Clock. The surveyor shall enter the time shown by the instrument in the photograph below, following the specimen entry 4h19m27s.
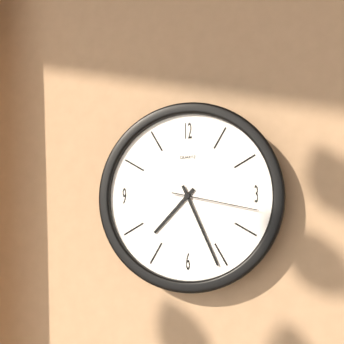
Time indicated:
7h26m17s
